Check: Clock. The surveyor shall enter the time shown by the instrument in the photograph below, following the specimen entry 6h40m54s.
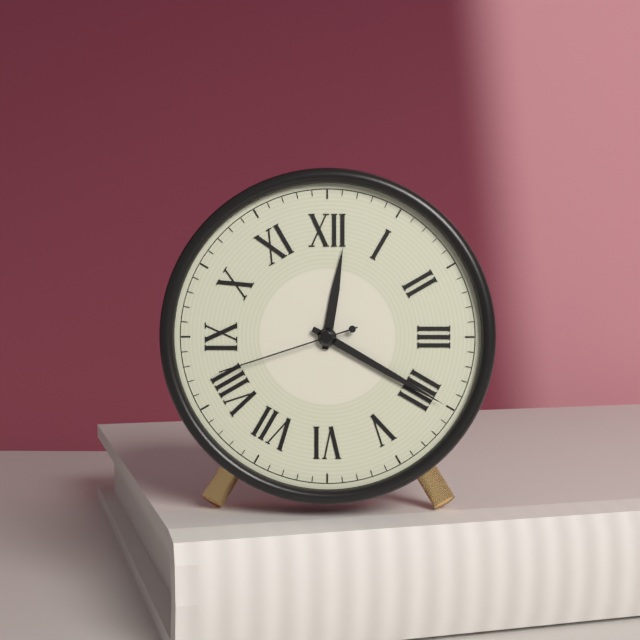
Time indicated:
12h20m42s
